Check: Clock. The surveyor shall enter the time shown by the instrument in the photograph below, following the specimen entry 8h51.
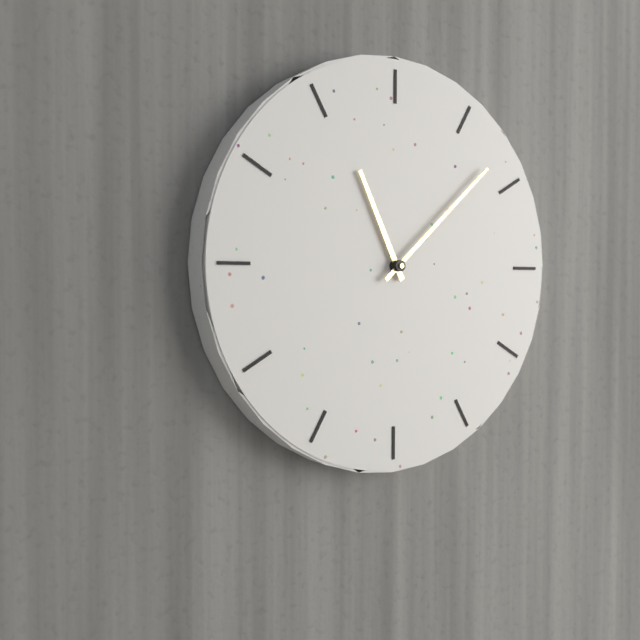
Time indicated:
11h08
